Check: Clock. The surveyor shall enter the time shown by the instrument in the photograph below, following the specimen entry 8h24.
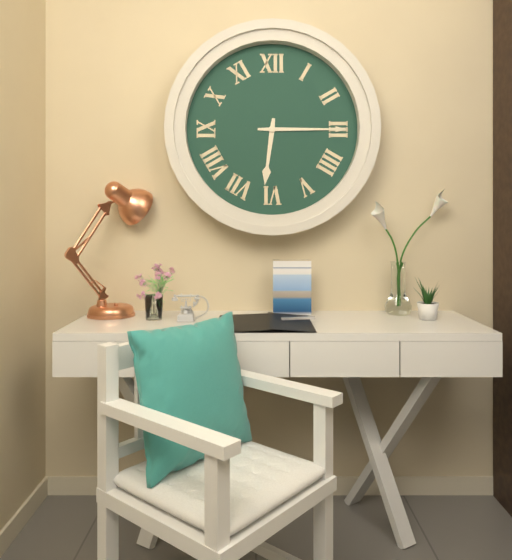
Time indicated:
6h15
